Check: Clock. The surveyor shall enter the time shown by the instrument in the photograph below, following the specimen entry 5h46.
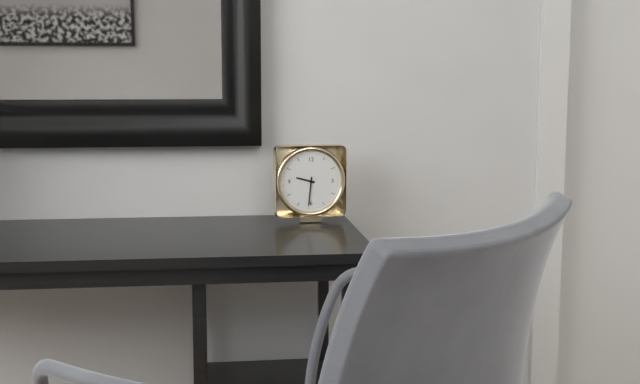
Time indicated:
9h31
